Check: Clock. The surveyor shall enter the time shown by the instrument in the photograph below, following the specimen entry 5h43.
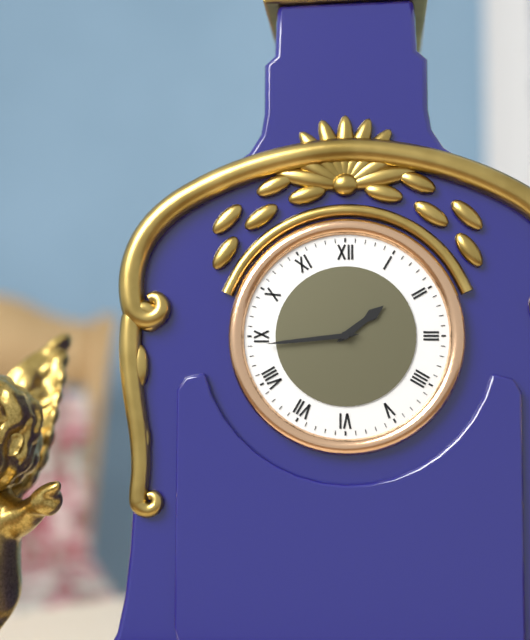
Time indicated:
1h44
